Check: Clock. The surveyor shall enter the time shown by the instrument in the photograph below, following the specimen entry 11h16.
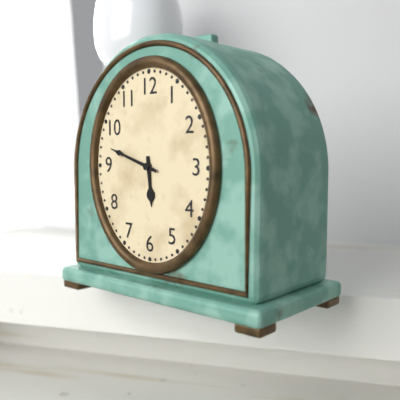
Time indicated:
5h48
